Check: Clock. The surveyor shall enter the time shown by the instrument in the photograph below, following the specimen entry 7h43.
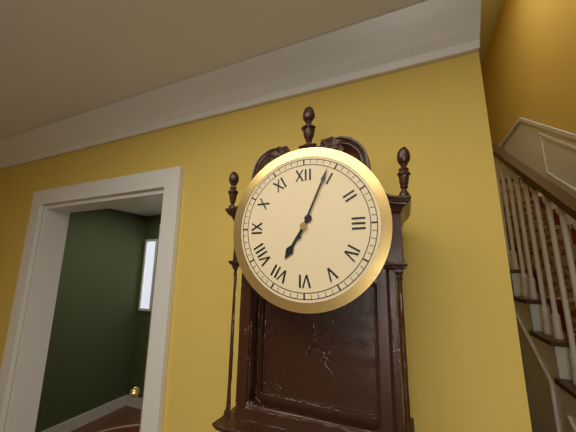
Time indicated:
7h04
